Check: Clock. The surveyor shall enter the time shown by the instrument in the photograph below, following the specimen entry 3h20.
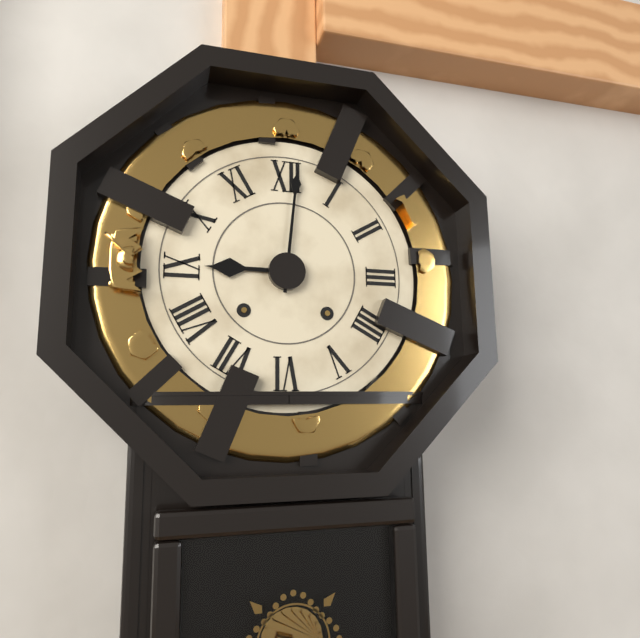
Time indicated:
9h01
